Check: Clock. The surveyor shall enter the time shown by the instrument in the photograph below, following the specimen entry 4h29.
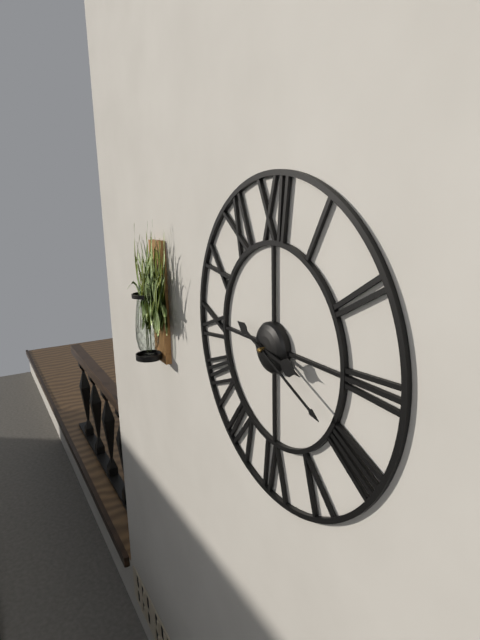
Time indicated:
3h19
